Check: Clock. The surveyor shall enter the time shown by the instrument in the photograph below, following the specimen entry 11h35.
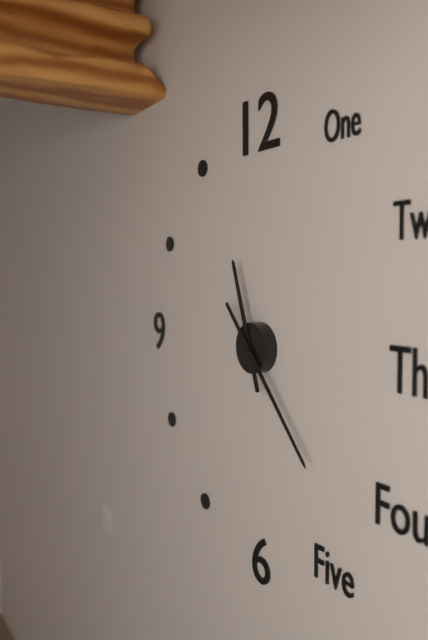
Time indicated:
11h23
